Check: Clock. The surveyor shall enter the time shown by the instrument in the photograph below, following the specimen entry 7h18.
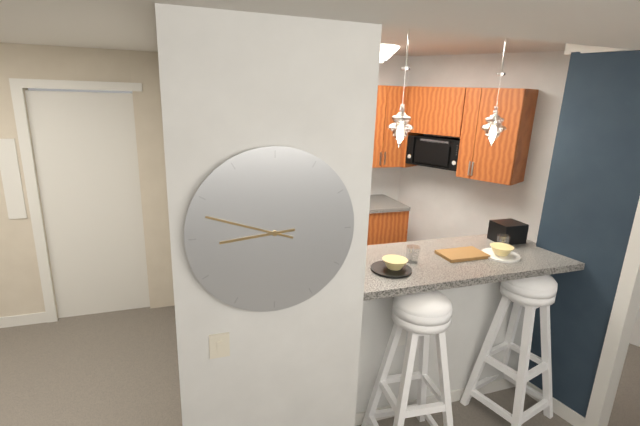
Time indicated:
8h48
